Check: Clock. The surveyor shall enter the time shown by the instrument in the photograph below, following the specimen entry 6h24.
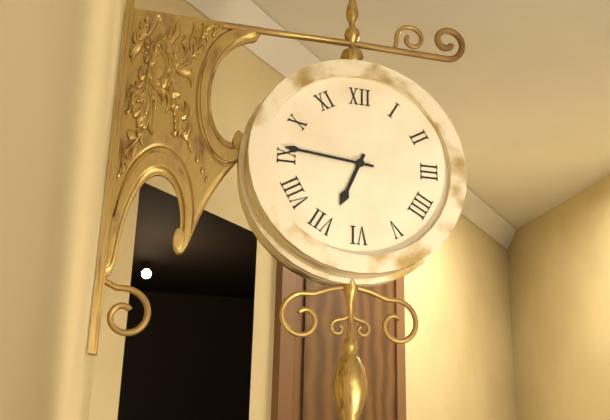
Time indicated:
6h46
